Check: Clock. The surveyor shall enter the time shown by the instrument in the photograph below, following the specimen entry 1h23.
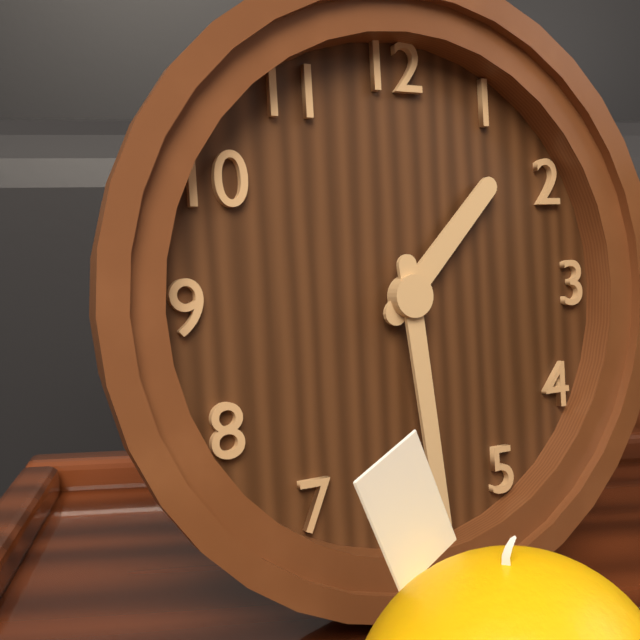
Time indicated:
1h29
